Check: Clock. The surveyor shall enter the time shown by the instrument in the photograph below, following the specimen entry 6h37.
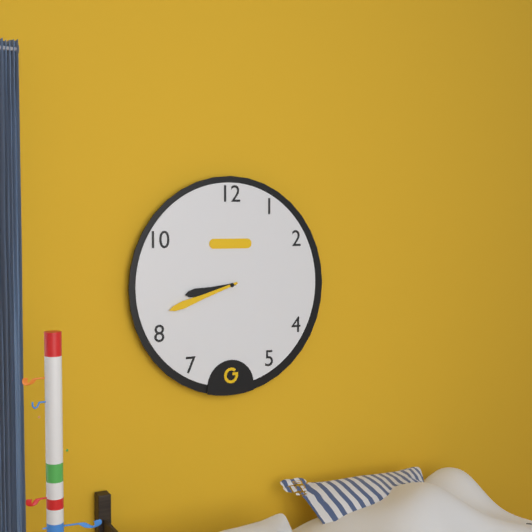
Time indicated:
8h42
